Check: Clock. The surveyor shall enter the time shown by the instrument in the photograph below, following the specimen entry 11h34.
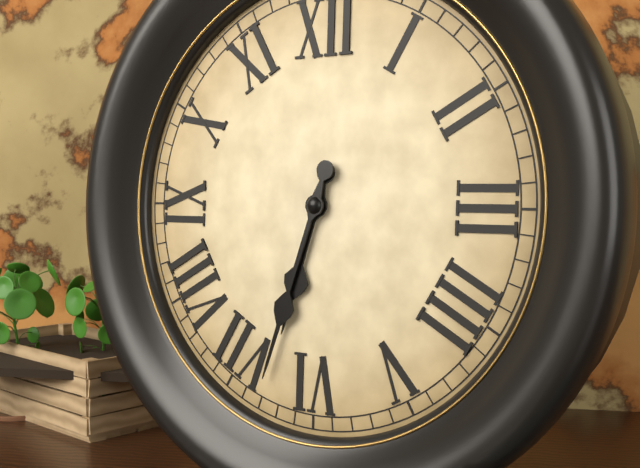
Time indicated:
6h33
